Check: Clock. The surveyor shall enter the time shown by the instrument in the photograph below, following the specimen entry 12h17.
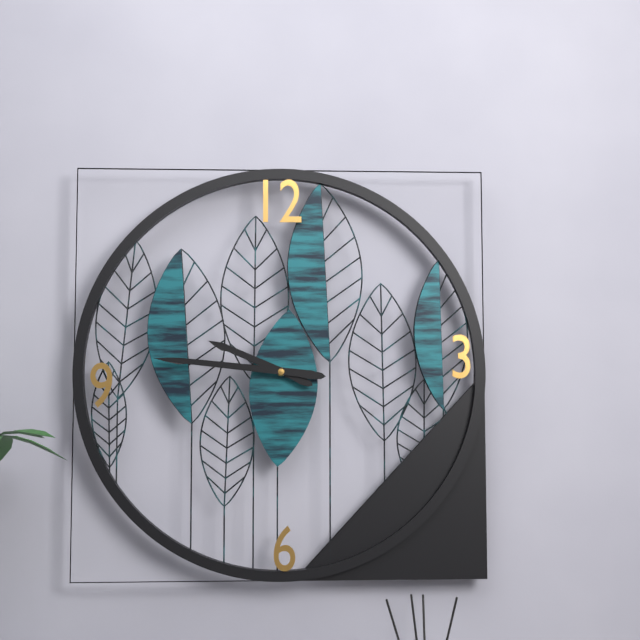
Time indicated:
9h46
